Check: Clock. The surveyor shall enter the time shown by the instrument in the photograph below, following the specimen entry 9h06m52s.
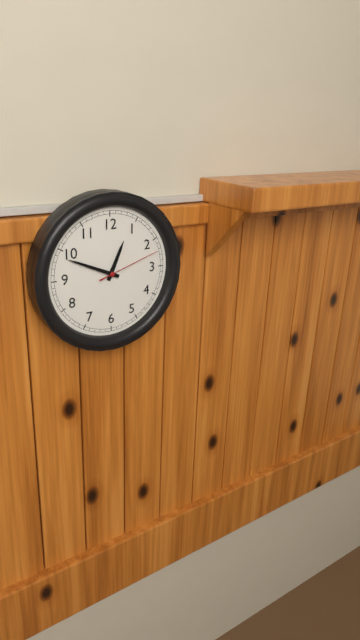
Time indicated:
12h49m12s
